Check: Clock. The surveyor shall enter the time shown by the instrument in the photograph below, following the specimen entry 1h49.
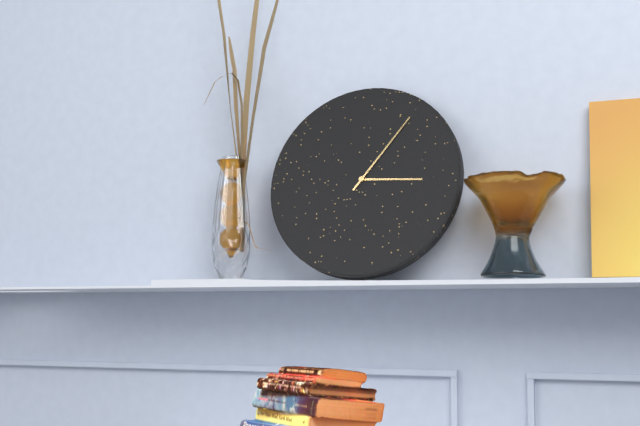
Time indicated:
3h06
